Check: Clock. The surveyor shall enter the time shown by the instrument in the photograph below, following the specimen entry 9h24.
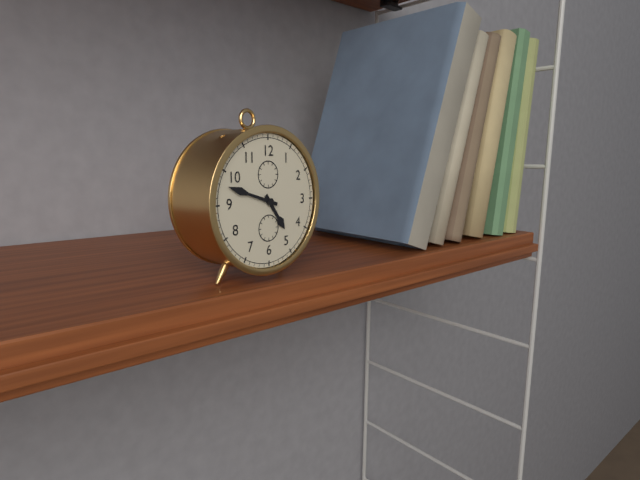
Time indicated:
4h48
